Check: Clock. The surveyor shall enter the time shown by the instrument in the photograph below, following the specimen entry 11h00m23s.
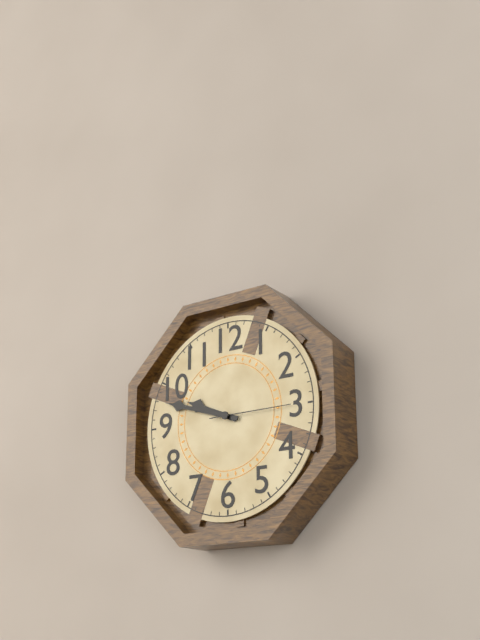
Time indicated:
9h48m15s
